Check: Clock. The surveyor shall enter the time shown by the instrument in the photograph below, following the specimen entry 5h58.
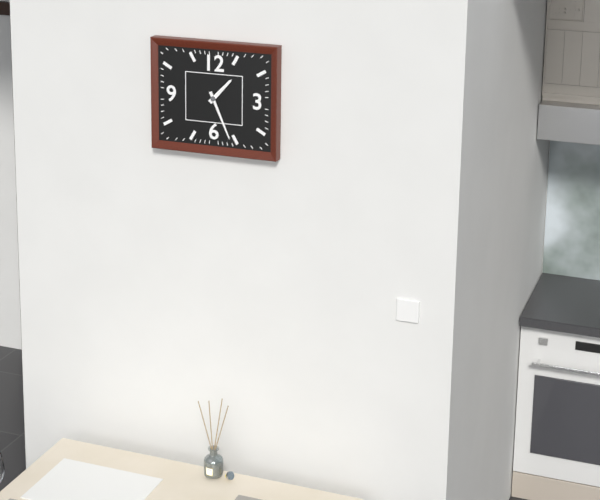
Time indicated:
1h26
